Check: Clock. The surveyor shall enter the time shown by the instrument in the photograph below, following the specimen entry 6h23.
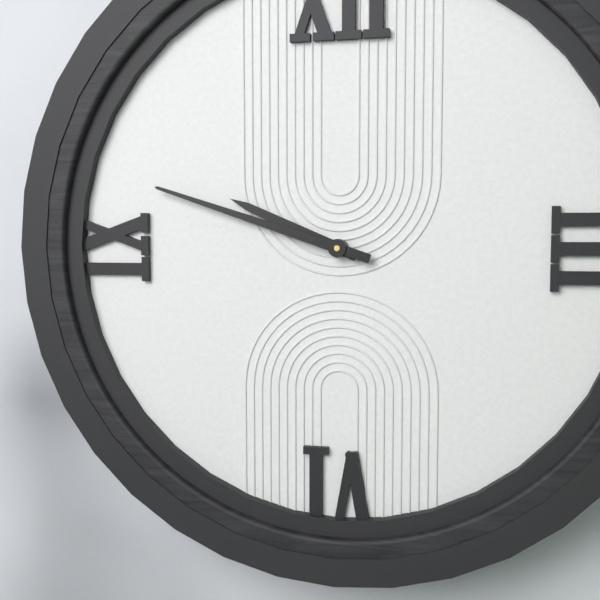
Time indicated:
9h48
